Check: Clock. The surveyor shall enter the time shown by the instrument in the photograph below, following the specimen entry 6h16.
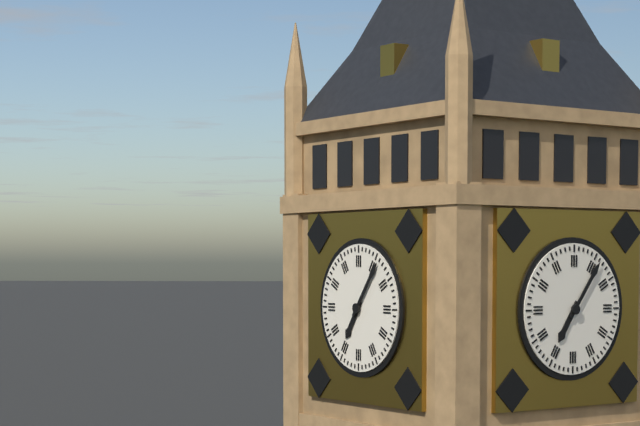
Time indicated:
7h06
